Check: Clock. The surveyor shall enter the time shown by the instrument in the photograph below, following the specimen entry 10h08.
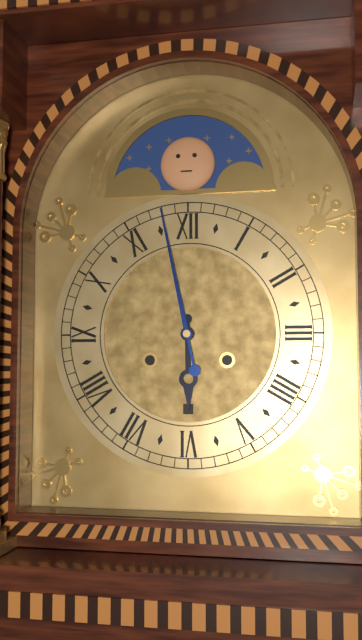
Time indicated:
5h58
